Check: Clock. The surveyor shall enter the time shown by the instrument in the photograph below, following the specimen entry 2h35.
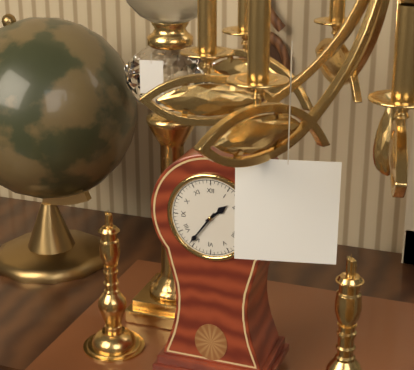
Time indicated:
1h36
